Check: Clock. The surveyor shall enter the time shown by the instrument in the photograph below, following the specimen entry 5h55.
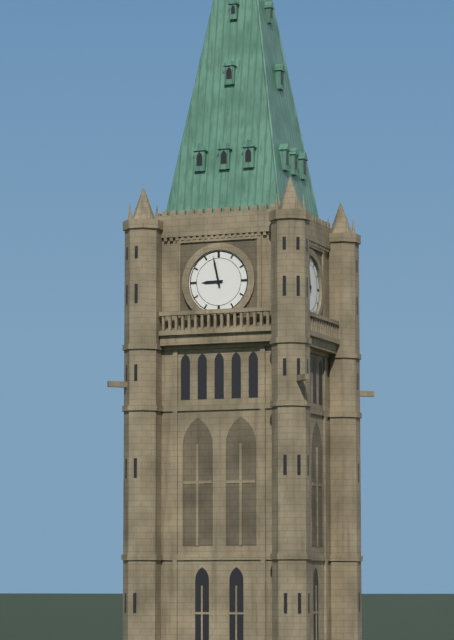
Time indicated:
8h58
